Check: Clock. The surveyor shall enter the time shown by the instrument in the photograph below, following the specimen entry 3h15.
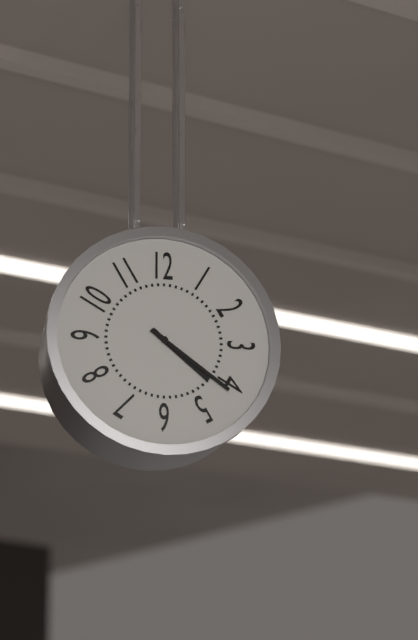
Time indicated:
4h21
